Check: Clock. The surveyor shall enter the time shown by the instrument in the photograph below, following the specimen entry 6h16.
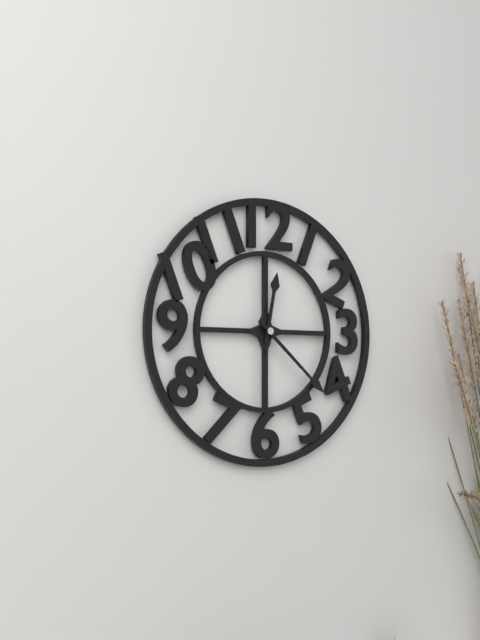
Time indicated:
12h22
